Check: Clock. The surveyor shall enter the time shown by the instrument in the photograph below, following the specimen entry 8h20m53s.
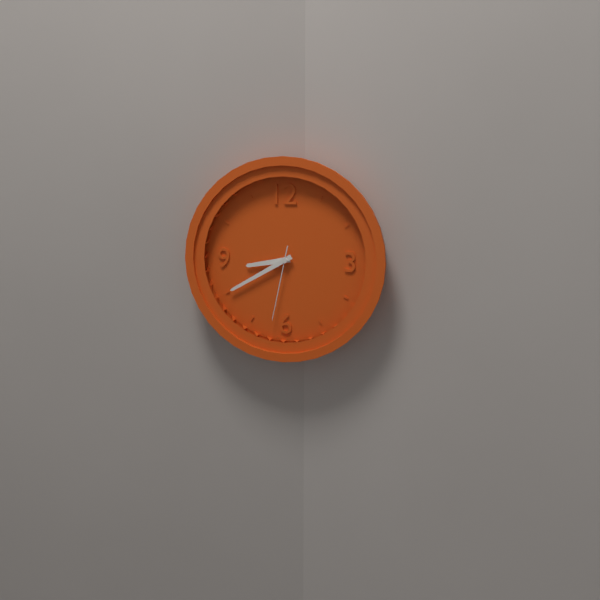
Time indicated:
8h40m32s
